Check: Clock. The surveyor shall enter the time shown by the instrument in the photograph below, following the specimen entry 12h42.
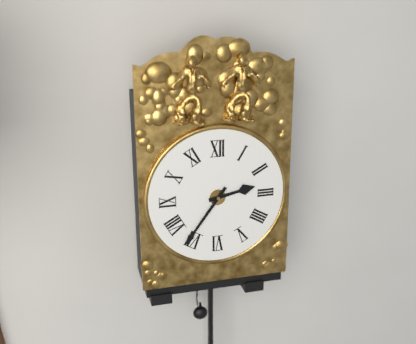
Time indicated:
2h36
